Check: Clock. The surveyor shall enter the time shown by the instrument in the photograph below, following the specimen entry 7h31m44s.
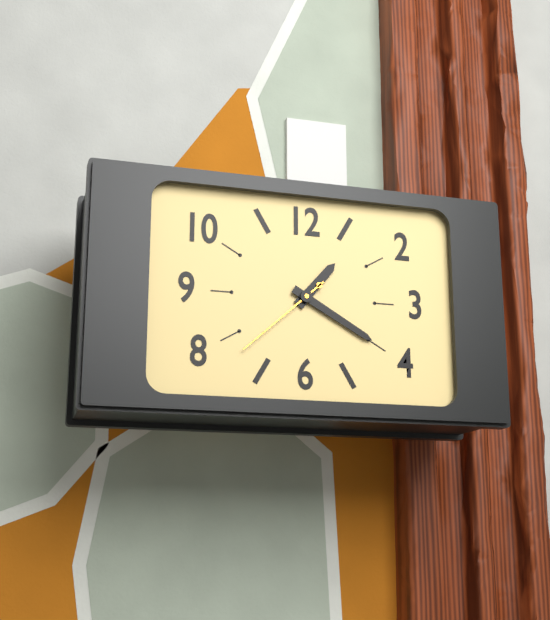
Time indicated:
1h20m38s
